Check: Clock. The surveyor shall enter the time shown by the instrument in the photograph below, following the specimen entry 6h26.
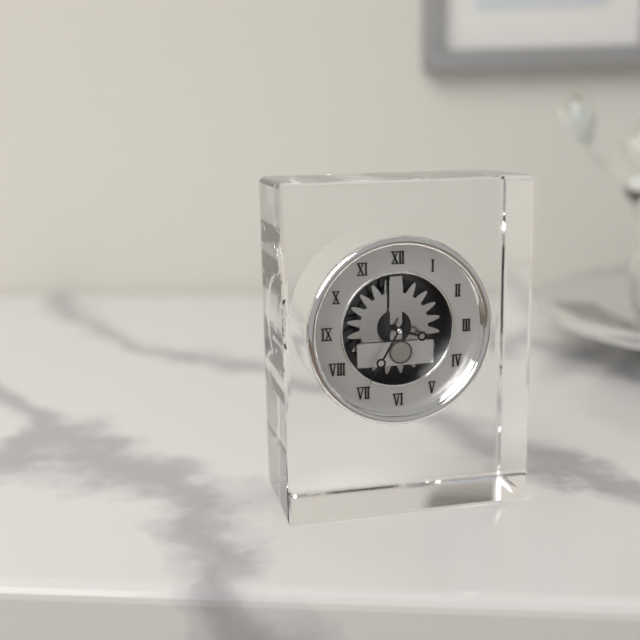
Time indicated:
3h35
